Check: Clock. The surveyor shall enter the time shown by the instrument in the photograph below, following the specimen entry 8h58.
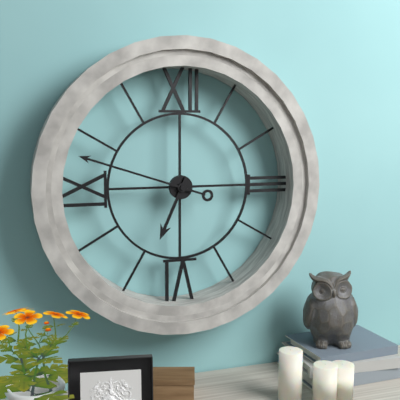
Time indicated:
6h48
